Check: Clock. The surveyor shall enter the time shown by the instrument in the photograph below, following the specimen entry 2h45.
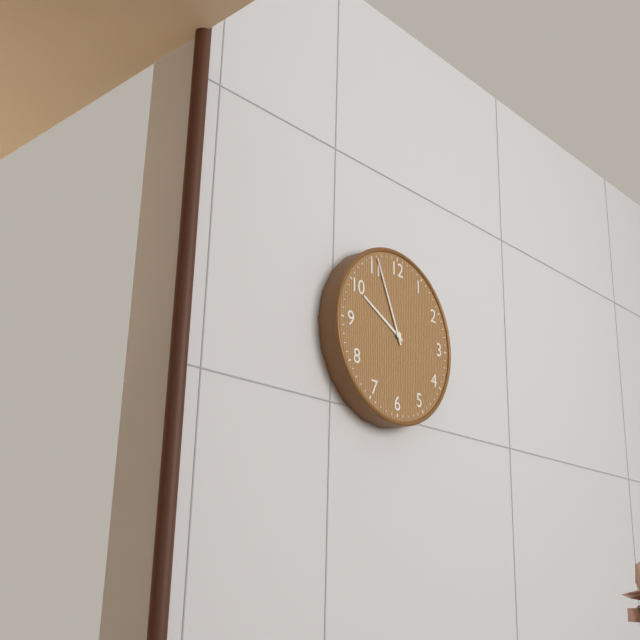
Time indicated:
9h56
